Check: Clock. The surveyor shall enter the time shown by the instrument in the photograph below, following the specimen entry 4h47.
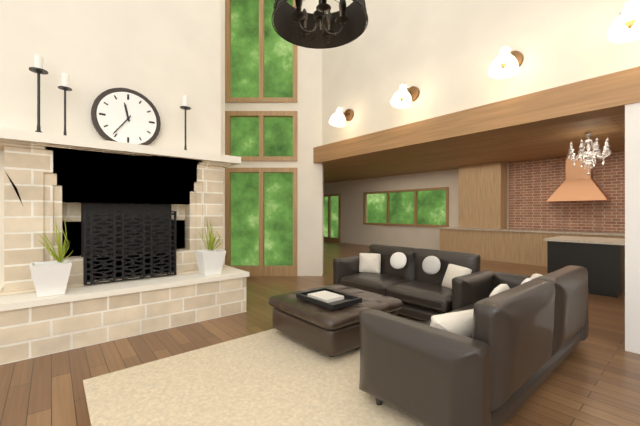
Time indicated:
11h36
